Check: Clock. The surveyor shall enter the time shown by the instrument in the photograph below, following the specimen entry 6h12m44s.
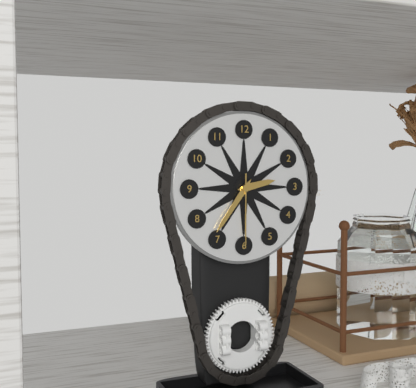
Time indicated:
2h36m30s
